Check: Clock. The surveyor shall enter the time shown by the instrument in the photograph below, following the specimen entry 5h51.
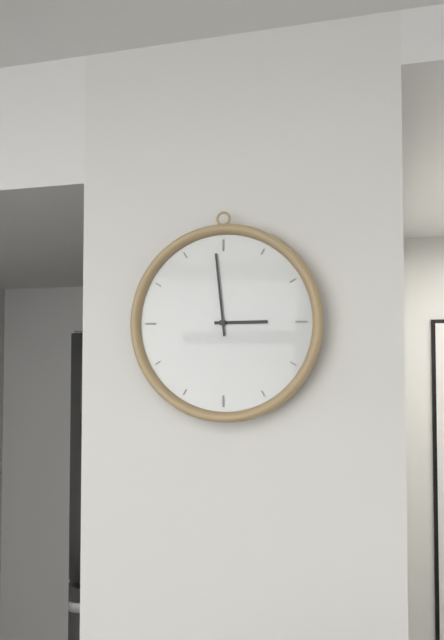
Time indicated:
2h59
